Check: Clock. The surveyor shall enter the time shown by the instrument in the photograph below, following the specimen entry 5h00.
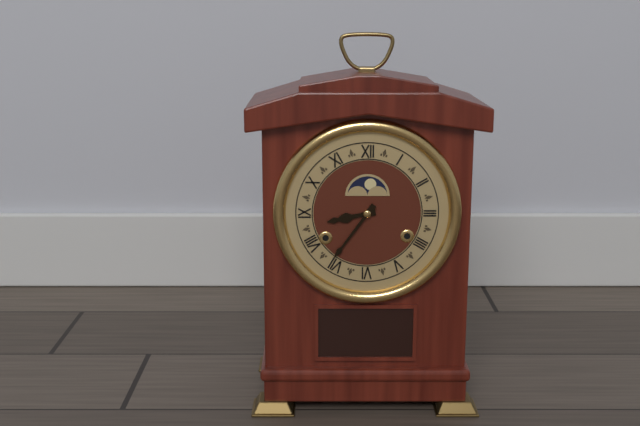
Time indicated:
8h36
